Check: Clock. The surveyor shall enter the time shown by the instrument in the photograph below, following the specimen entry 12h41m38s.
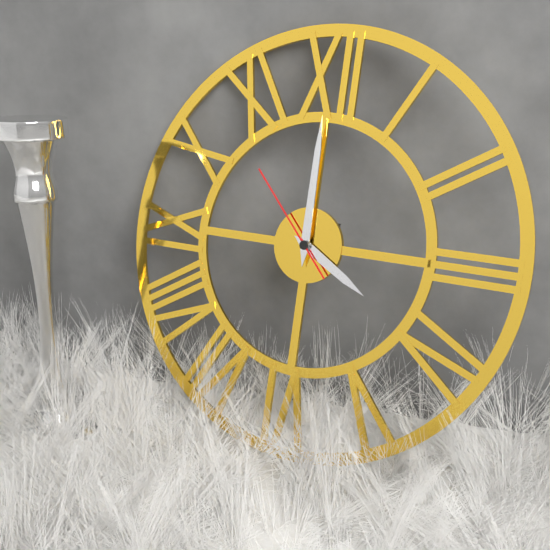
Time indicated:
4h00m53s
